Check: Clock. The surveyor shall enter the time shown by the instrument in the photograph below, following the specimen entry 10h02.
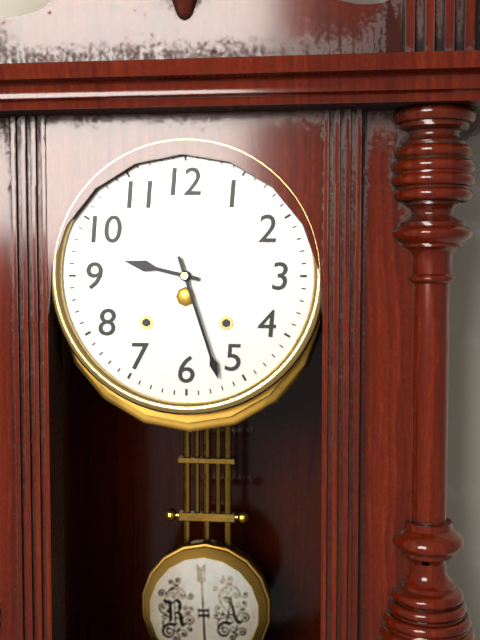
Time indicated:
9h27
